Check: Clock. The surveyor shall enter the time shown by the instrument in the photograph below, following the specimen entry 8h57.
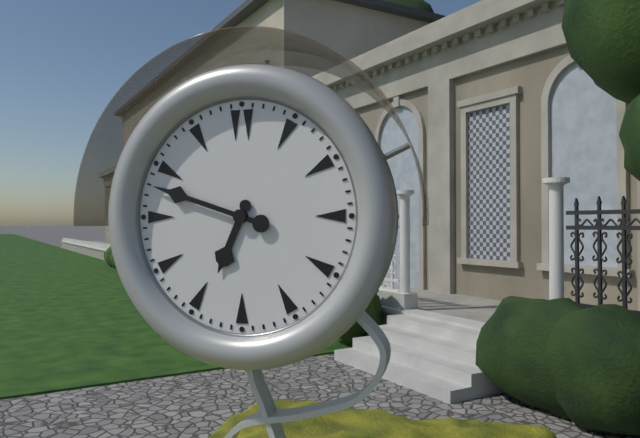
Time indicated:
6h48
